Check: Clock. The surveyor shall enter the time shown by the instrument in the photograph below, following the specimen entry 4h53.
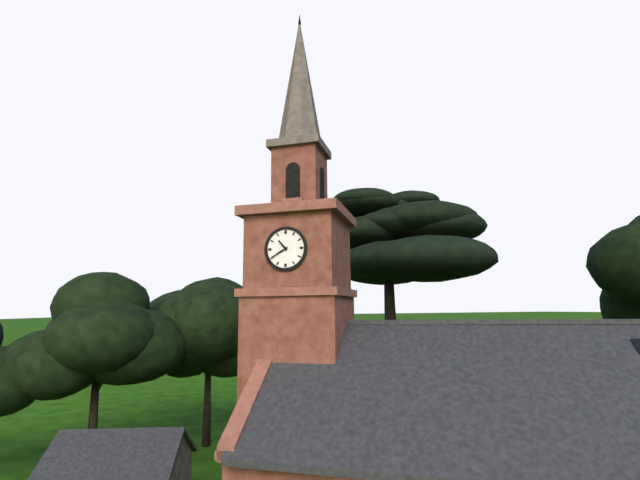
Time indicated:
10h40
